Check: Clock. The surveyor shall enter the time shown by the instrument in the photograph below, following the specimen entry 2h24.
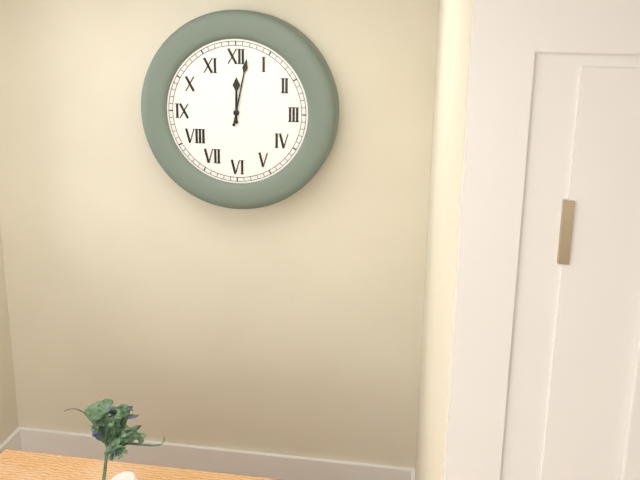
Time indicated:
12h02
